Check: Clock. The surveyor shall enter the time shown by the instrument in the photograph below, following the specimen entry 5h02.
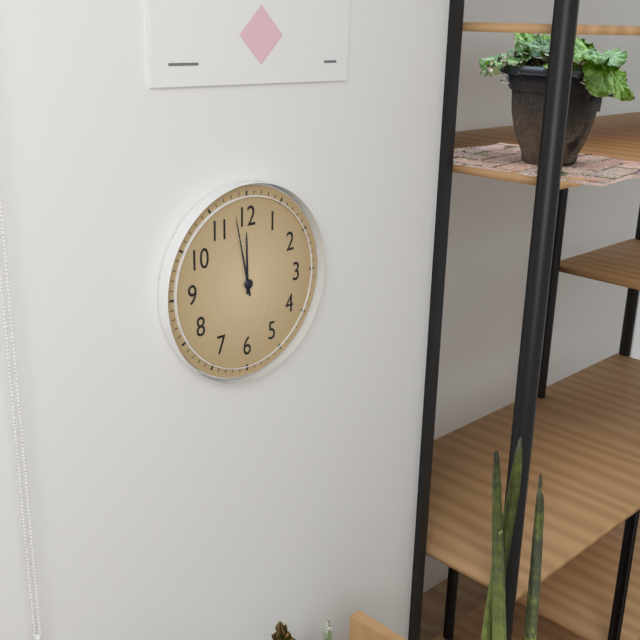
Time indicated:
11h58
